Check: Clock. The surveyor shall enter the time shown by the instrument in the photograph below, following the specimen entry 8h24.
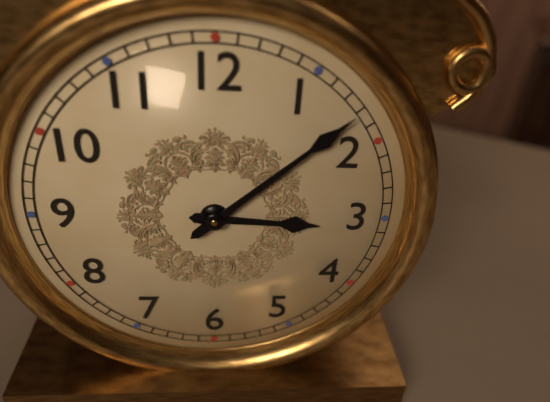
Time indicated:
3h08
